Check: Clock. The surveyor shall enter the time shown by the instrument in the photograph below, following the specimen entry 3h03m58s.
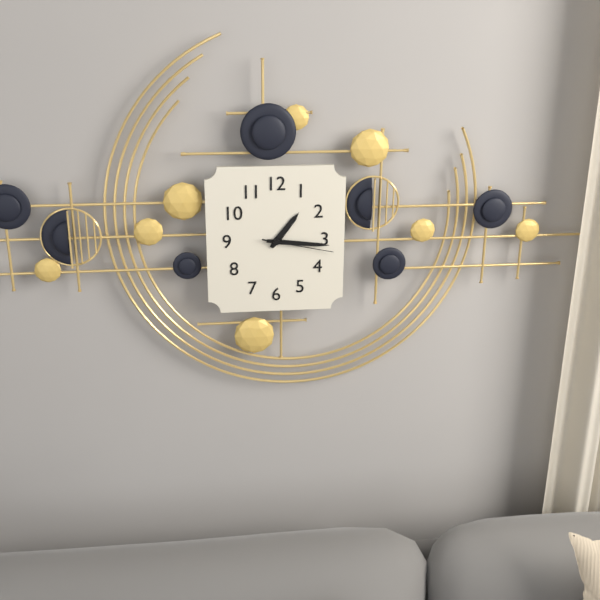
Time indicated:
1h16m17s
